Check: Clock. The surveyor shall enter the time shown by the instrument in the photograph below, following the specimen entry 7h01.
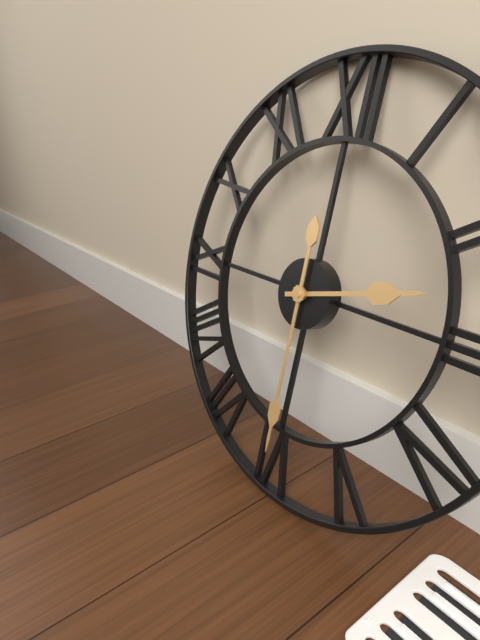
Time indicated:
2h30
